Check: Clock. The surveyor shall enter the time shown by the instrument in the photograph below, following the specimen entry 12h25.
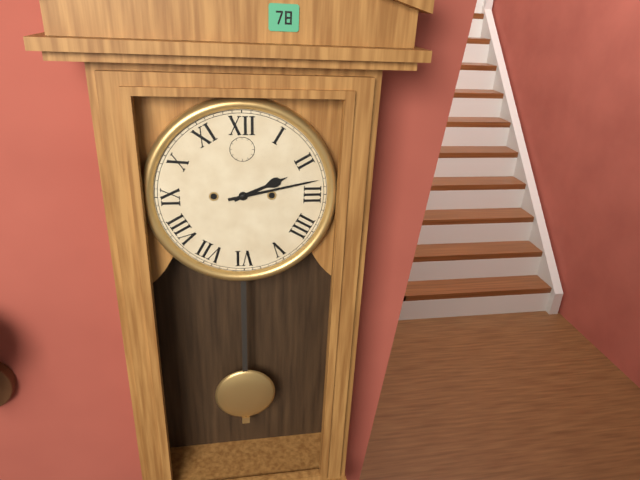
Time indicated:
2h13
